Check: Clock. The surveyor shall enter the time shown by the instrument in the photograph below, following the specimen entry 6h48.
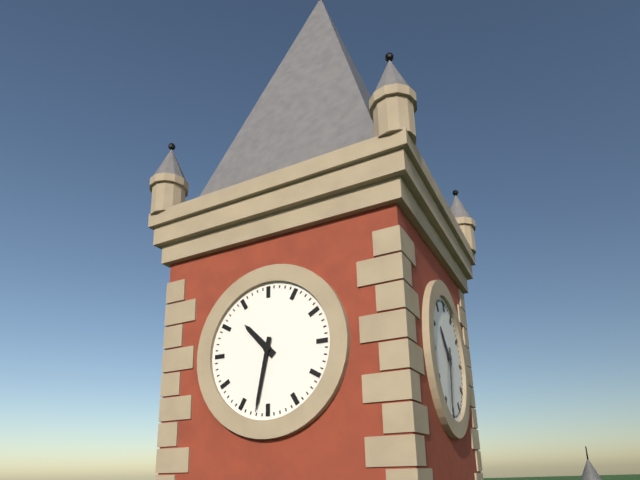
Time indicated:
10h32
